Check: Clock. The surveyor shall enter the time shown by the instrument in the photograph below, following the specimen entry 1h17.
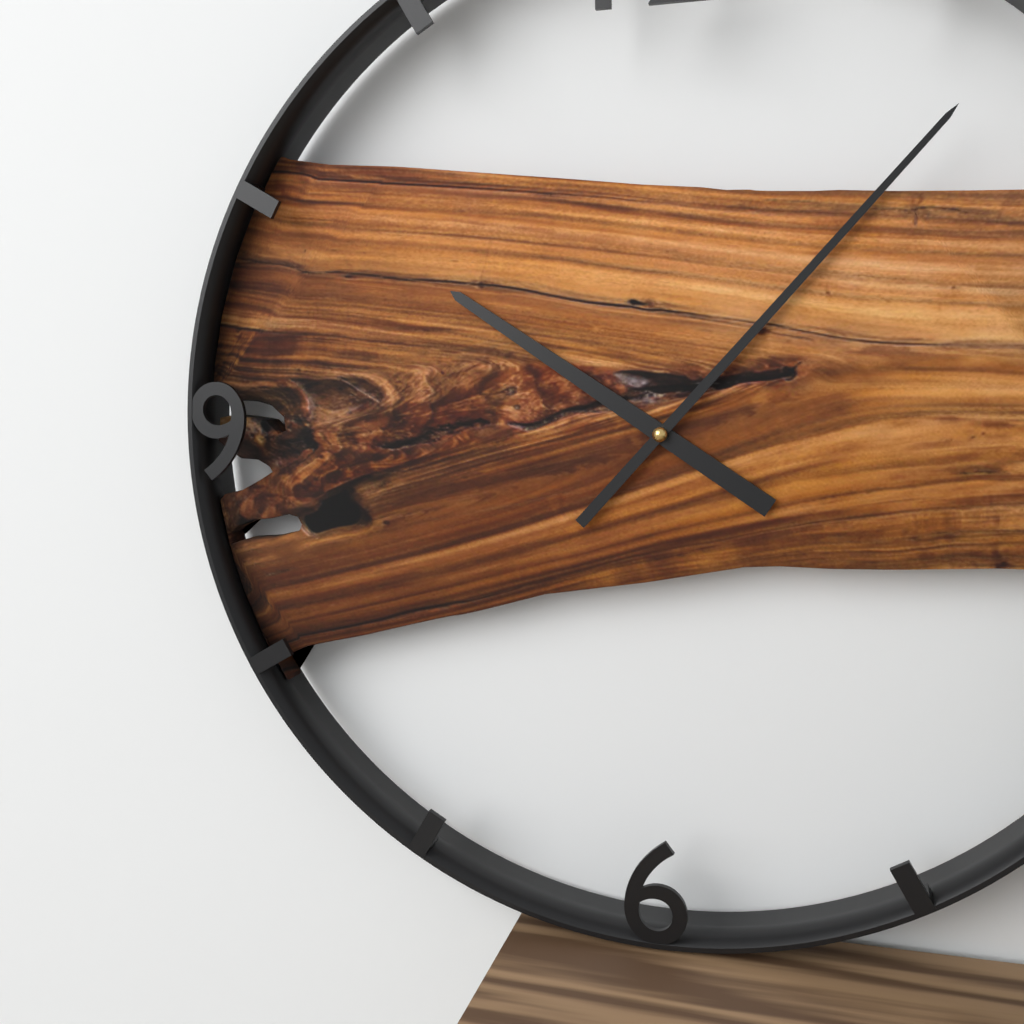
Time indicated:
10h07
